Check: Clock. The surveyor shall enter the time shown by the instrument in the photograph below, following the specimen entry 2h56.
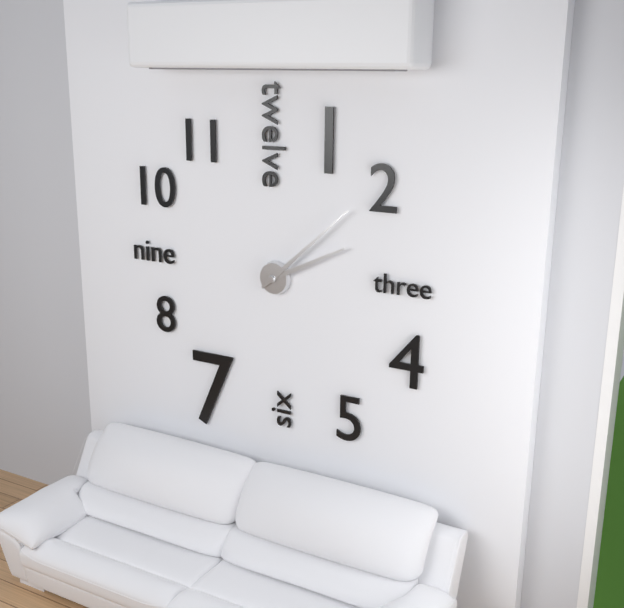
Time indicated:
2h08
